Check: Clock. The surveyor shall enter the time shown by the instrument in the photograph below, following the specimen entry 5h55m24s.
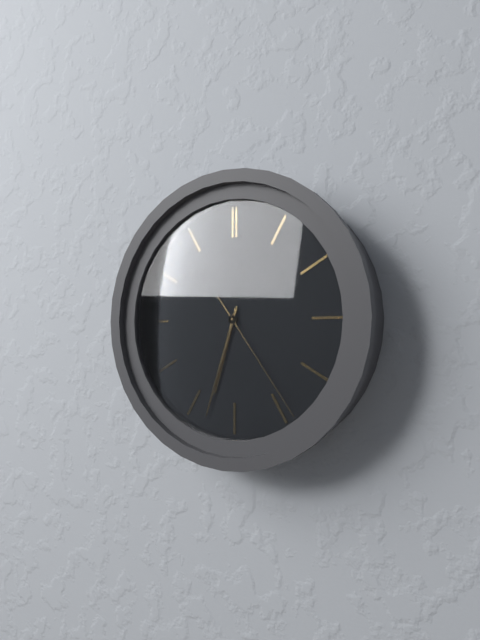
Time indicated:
6h33m24s
